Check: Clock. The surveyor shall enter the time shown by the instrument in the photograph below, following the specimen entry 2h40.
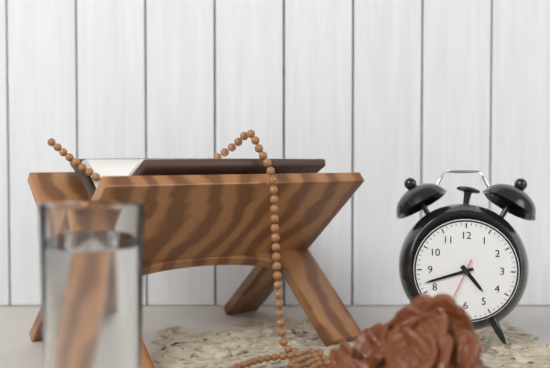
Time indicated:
4h42
